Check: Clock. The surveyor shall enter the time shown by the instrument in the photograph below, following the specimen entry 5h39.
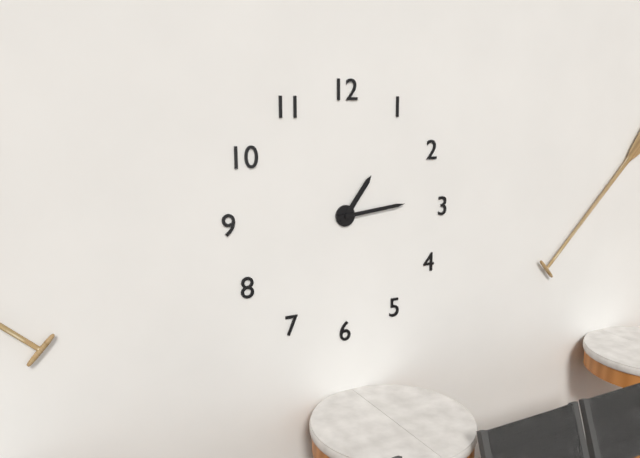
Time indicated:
1h14
